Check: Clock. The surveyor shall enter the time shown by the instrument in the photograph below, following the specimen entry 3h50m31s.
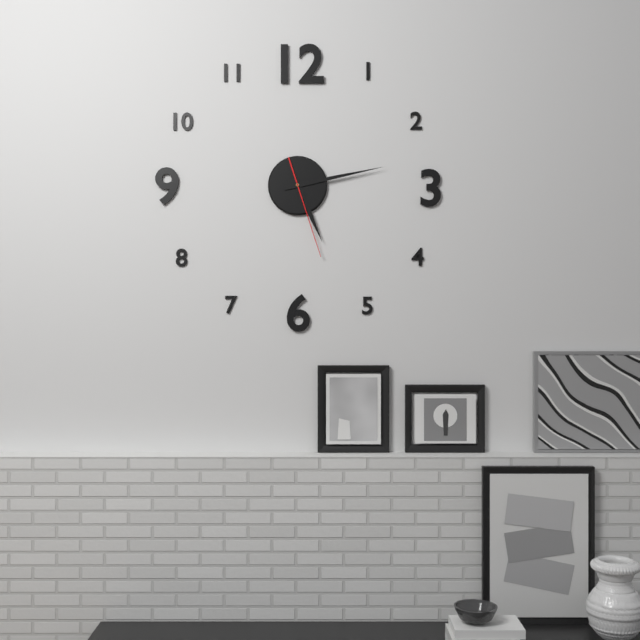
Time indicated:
5h13m27s
